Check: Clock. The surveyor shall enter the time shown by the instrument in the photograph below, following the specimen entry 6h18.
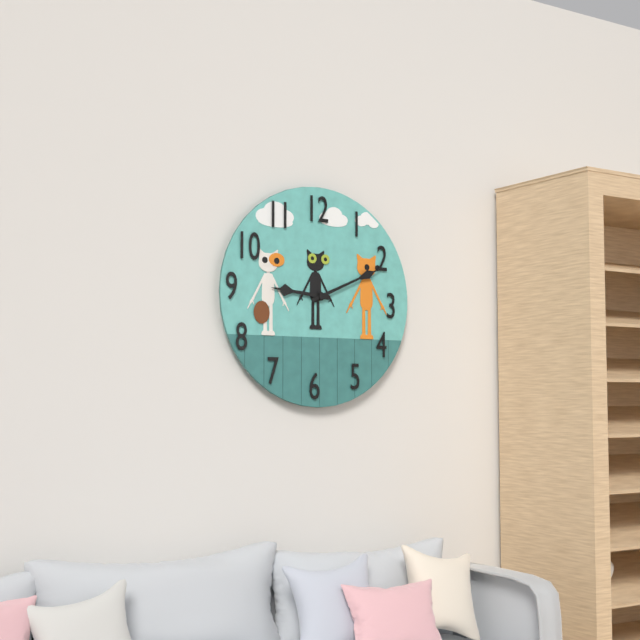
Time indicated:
9h11
